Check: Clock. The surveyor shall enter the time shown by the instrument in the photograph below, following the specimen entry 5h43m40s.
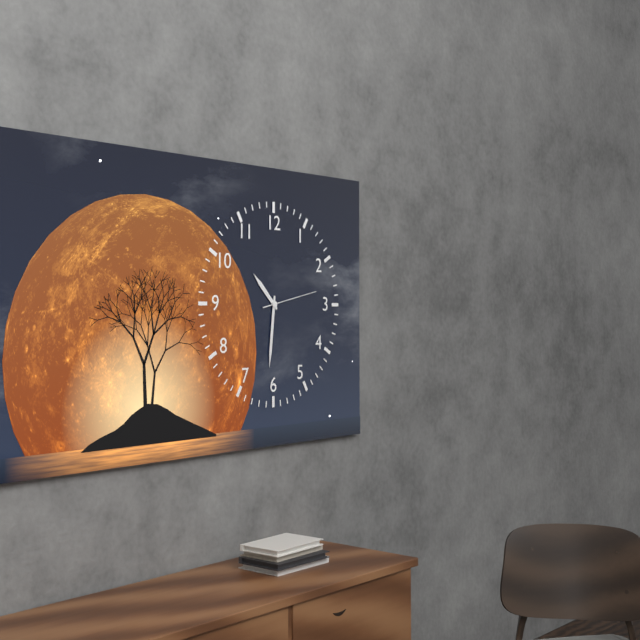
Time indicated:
10h31m13s
